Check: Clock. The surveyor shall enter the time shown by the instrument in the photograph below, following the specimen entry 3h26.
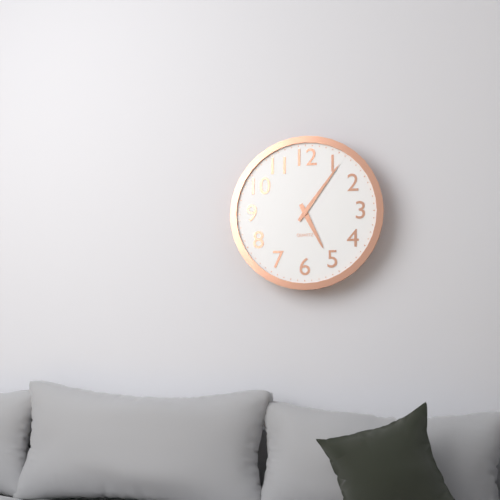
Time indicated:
5h06
